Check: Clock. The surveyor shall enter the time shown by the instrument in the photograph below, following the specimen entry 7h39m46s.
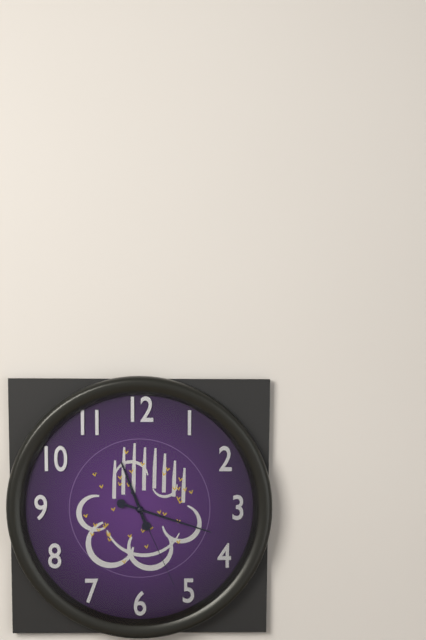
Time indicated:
11h18m26s
